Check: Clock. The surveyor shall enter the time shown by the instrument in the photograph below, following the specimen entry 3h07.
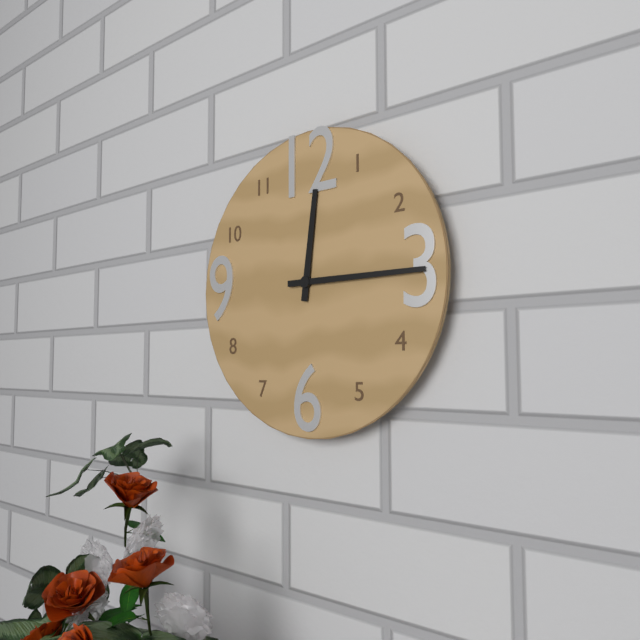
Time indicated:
12h15
